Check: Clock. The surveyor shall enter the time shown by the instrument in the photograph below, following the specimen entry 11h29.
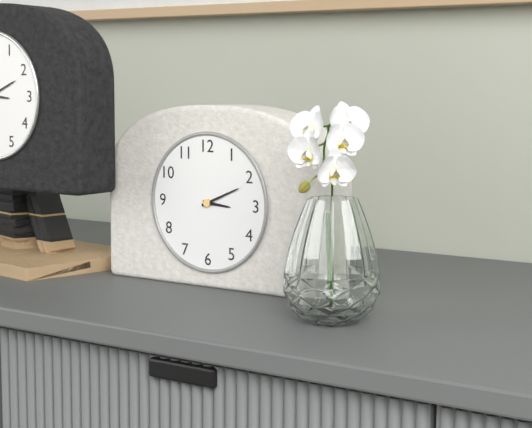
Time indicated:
3h11
